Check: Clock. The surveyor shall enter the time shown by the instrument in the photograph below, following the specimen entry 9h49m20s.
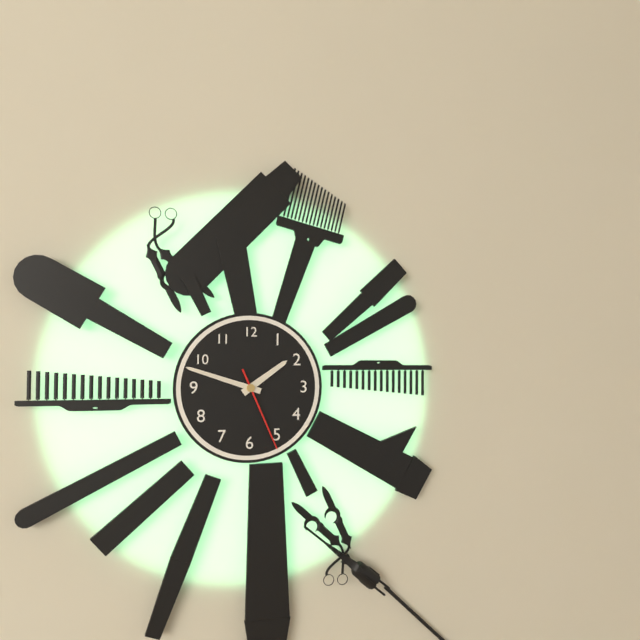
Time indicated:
1h48m26s
